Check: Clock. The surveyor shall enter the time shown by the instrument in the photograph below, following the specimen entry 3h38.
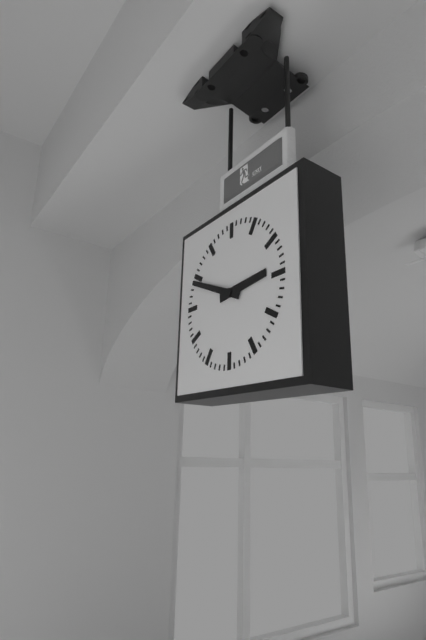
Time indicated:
2h49
